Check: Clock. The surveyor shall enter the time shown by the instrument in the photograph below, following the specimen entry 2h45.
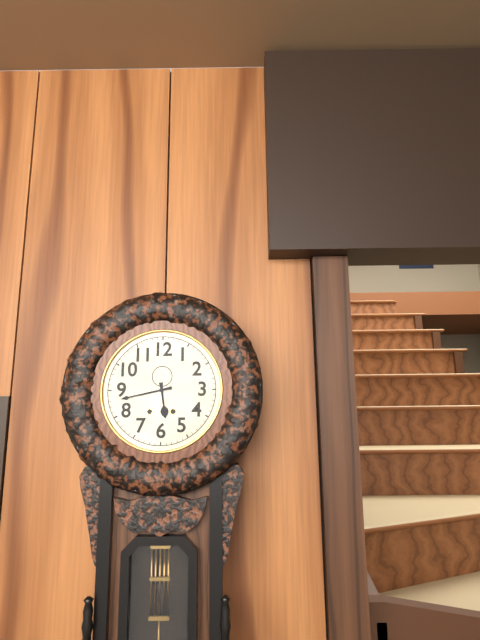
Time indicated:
5h43
